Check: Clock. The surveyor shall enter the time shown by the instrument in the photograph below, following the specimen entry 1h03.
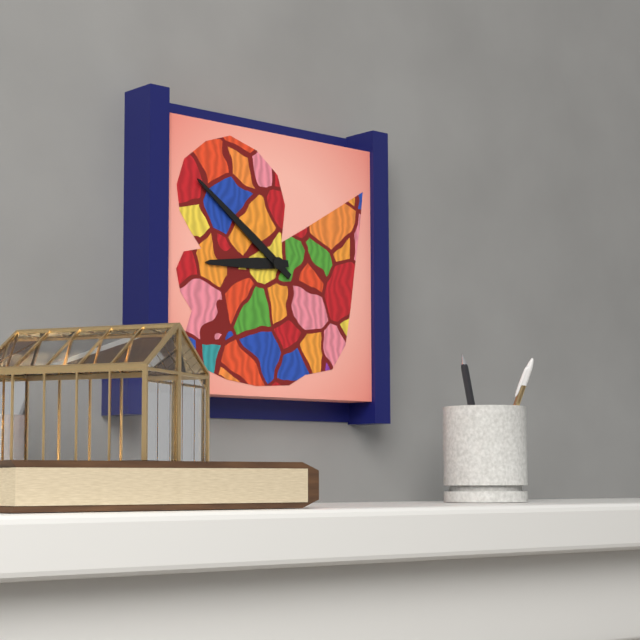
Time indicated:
8h51
